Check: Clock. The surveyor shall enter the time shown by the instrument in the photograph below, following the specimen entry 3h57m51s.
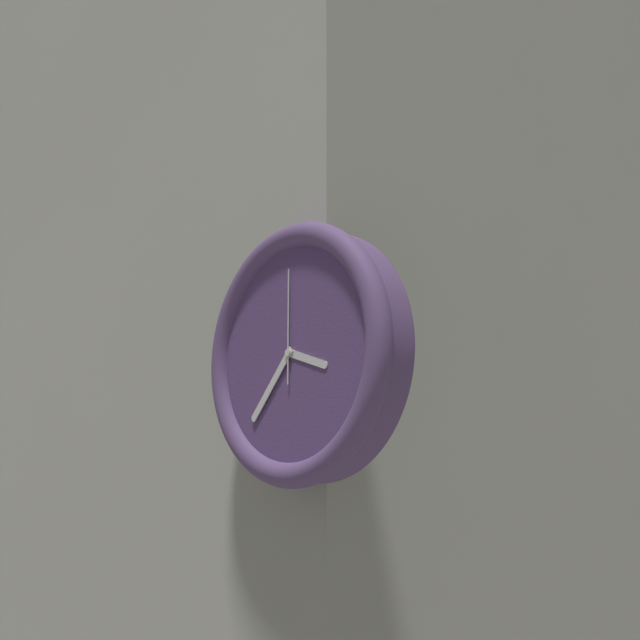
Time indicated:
3h37m00s
